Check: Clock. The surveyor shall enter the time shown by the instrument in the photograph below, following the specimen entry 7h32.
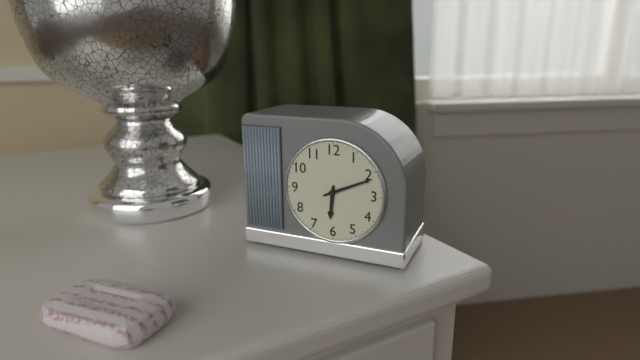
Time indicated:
6h11
